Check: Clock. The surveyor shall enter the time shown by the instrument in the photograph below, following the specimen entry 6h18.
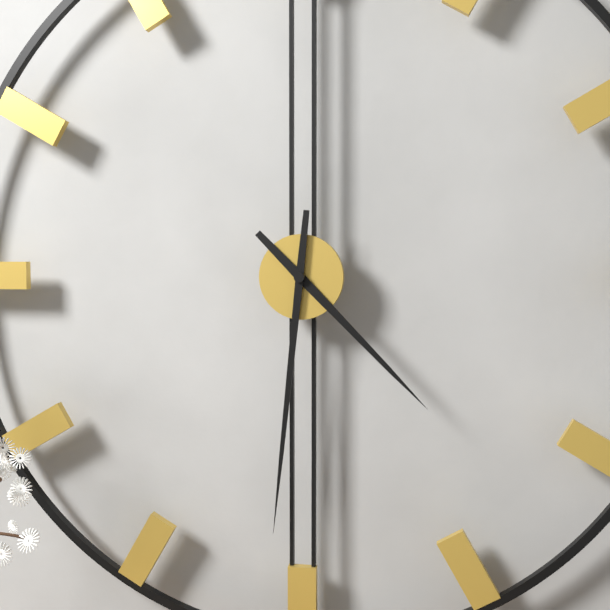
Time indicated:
4h31
